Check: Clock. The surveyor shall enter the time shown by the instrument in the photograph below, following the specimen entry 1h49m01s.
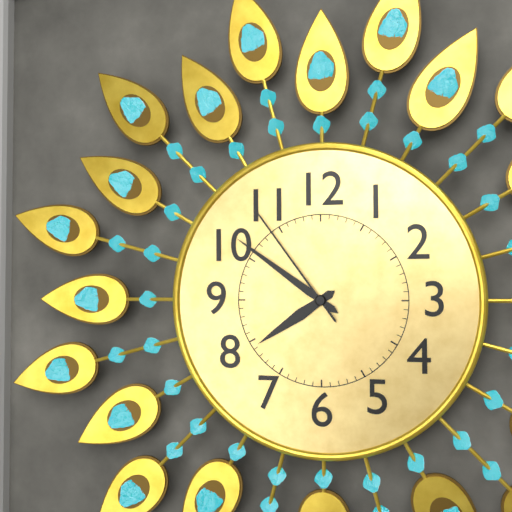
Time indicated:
7h51m54s
